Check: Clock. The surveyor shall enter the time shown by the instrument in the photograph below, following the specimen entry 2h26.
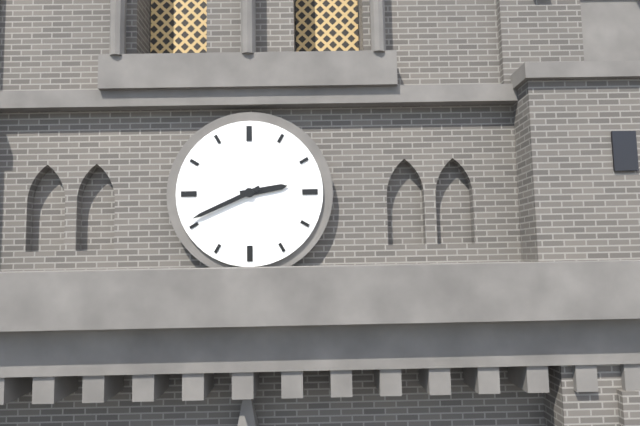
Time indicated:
2h41
